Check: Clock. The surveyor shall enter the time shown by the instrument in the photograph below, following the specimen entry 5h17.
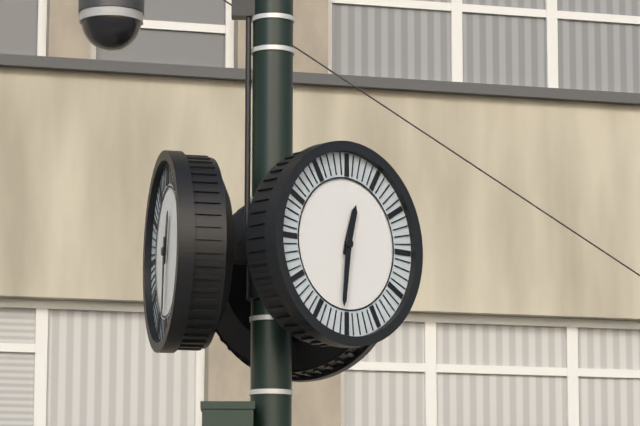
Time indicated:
12h31
